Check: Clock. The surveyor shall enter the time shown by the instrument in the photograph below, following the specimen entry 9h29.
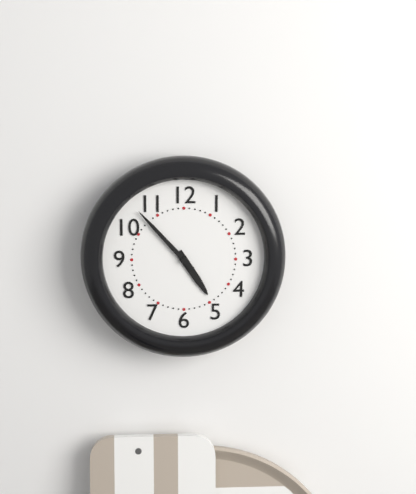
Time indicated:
4h53
